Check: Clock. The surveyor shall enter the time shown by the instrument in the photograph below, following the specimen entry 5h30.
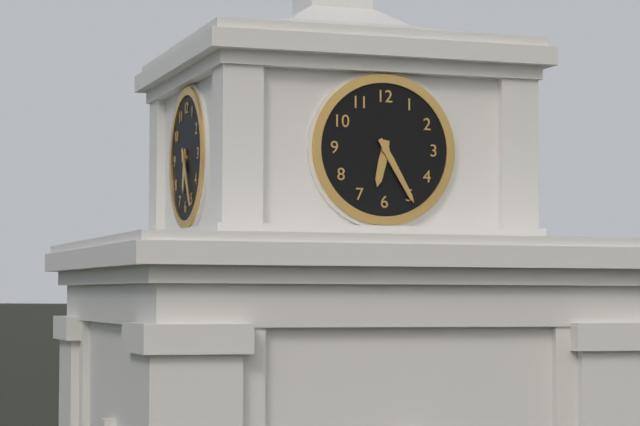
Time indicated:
6h25
